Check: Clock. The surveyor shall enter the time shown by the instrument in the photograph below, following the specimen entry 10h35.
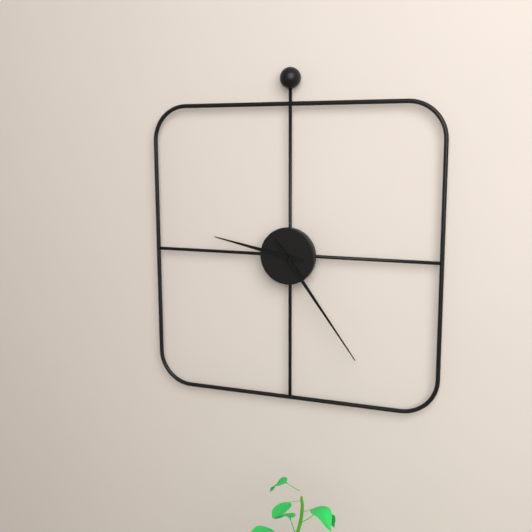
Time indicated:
9h24
